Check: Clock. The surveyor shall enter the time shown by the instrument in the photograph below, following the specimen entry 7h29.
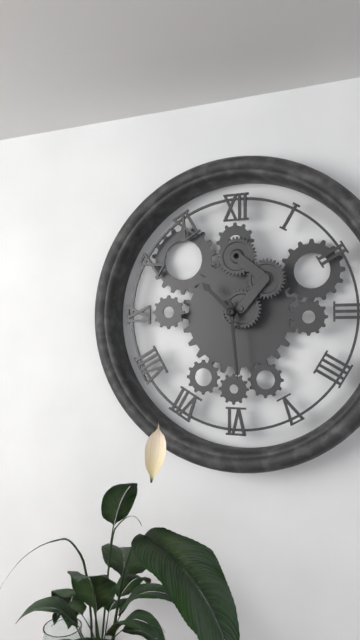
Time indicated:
10h29
